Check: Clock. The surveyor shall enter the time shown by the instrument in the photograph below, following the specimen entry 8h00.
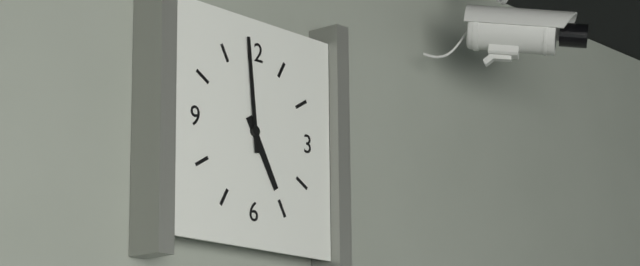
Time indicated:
4h59
